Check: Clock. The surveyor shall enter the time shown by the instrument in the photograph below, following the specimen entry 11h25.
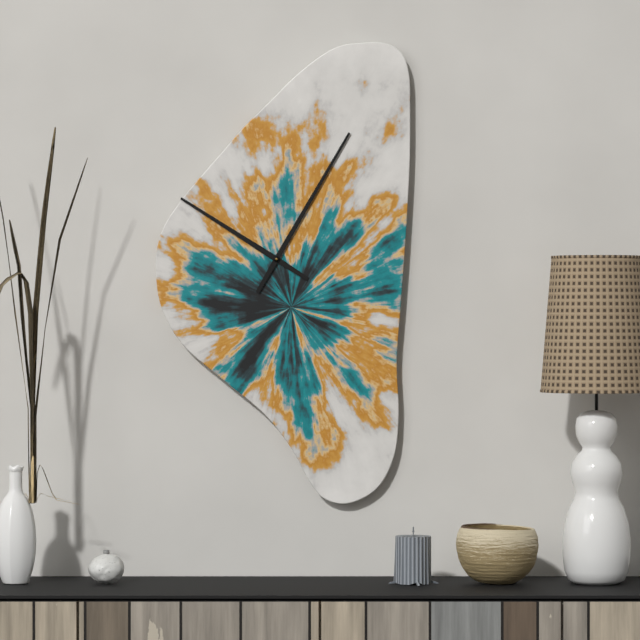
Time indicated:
10h05
